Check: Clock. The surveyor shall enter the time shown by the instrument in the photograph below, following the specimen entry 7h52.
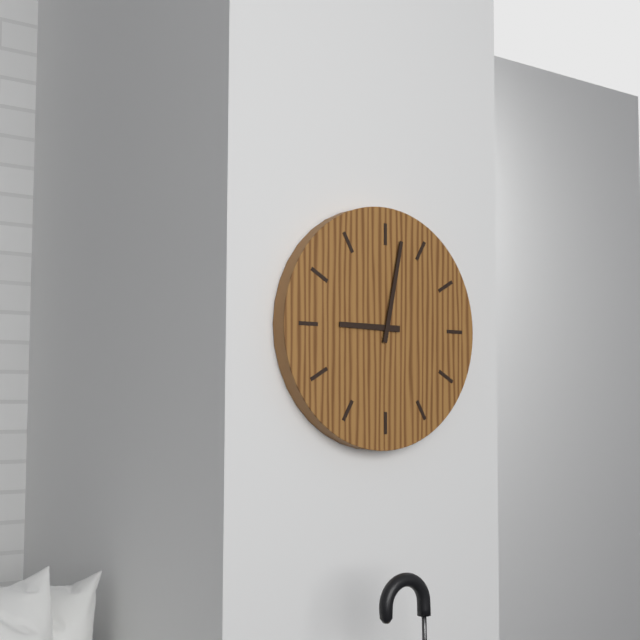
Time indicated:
9h02
